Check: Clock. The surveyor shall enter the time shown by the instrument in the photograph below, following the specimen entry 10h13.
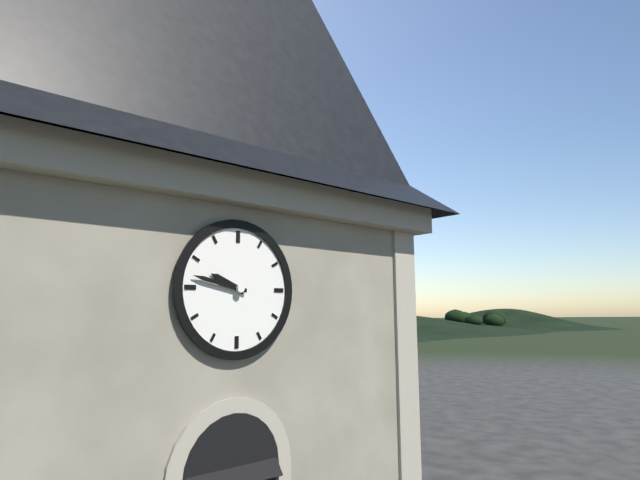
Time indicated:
9h47
